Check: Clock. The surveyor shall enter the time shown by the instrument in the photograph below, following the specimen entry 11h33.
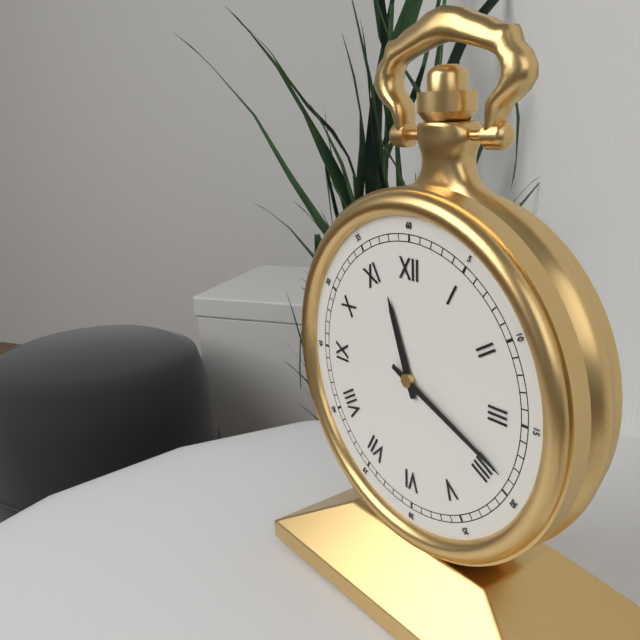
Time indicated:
11h19
